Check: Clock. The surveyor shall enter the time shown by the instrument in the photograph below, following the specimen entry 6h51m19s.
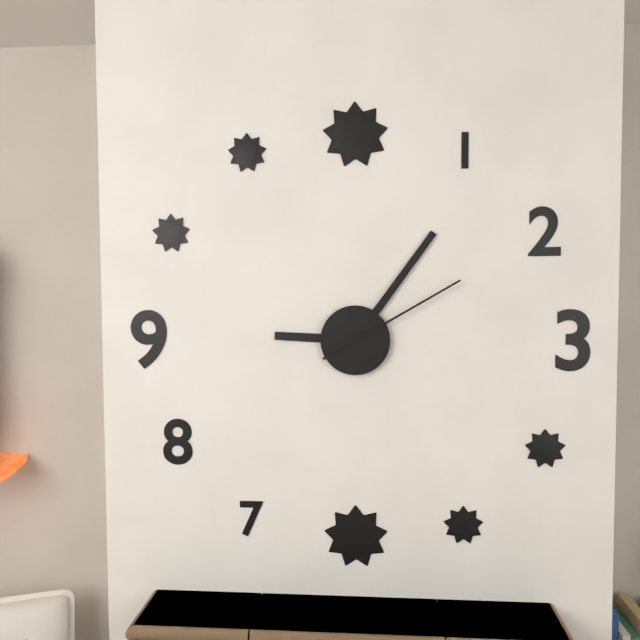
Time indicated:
9h06m10s
